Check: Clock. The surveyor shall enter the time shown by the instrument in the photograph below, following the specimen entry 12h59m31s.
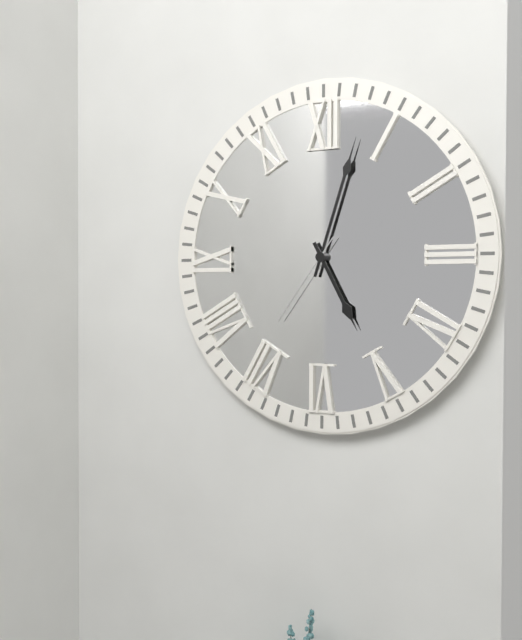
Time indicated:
5h03m36s
